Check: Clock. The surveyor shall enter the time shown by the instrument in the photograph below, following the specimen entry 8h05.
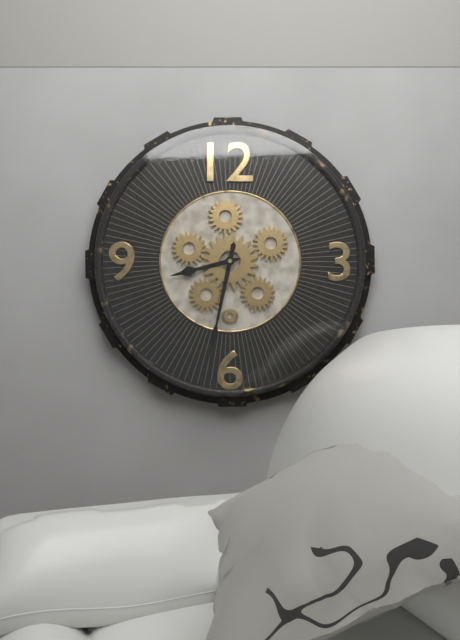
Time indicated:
8h32
